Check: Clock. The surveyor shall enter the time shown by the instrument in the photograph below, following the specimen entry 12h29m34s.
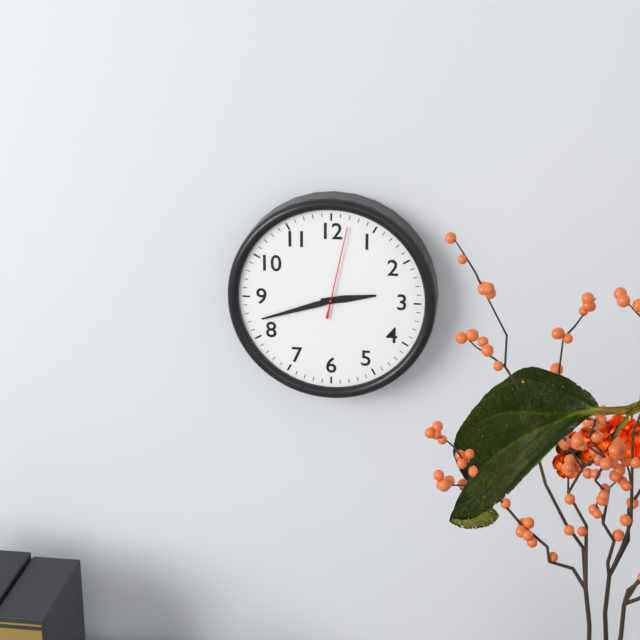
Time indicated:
2h42m02s
